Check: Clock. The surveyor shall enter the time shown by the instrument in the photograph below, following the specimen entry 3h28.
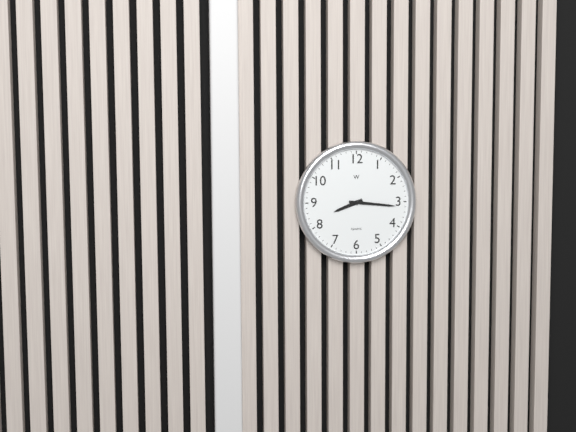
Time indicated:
8h16
